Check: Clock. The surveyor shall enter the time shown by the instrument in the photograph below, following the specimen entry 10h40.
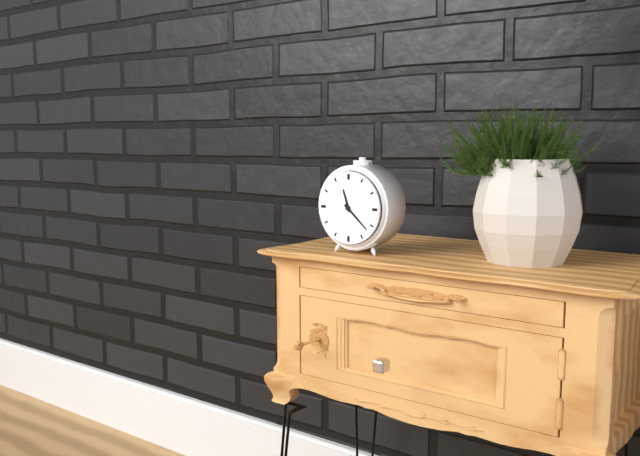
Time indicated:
11h22
